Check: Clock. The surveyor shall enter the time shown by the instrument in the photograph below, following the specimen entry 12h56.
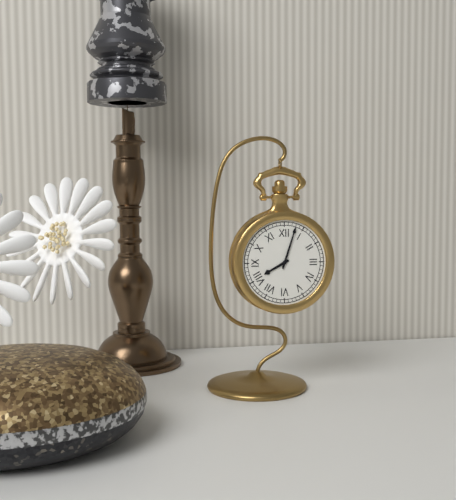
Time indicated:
8h03
